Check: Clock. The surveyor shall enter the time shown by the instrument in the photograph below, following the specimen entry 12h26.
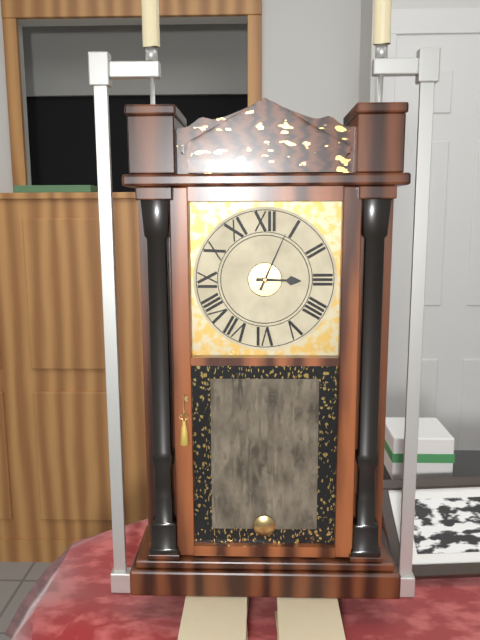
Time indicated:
3h04
